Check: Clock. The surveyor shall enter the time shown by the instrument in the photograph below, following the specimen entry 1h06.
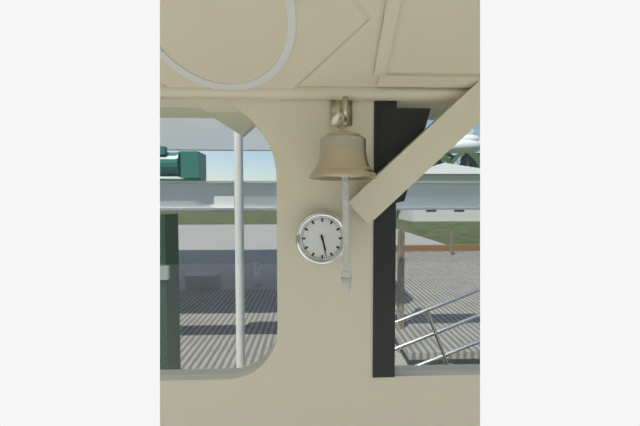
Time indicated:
5h28
